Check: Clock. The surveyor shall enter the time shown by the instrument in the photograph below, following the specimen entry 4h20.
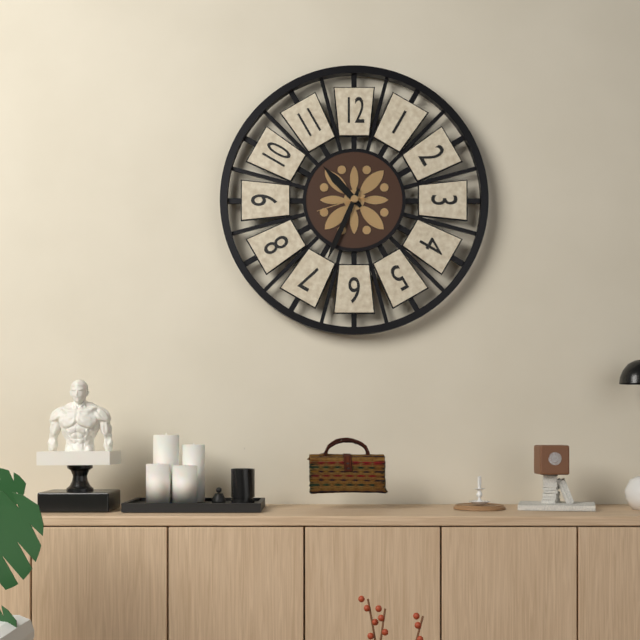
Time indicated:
10h34
